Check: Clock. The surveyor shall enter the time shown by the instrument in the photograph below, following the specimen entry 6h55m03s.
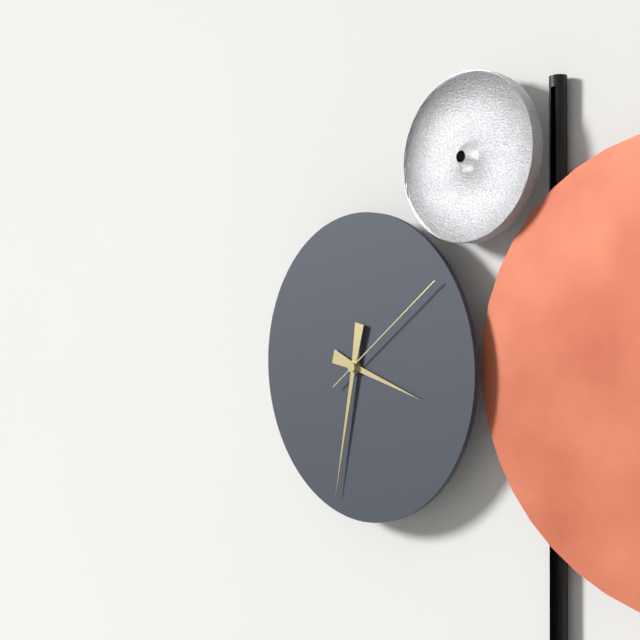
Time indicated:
3h32m09s
